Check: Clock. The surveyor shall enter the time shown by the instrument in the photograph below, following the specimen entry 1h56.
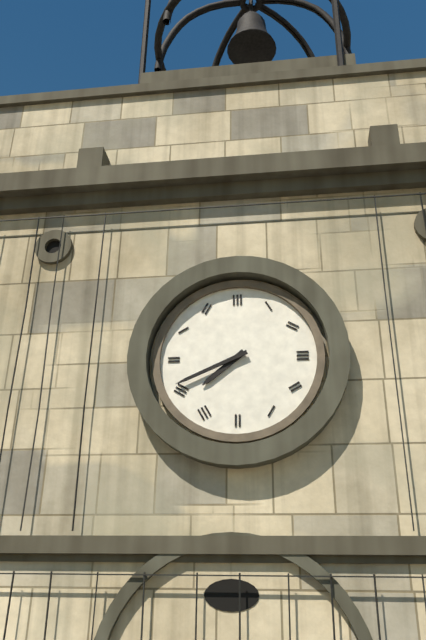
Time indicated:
7h41
